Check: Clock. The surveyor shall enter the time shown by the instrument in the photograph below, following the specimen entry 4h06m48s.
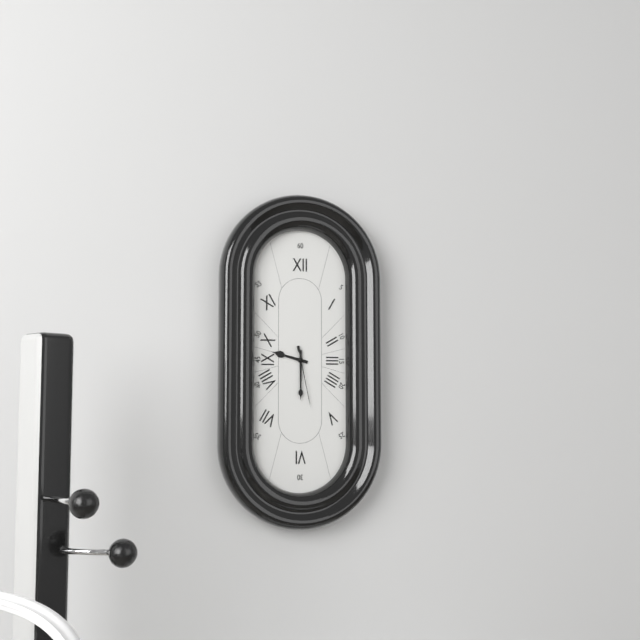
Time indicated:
9h30m28s
